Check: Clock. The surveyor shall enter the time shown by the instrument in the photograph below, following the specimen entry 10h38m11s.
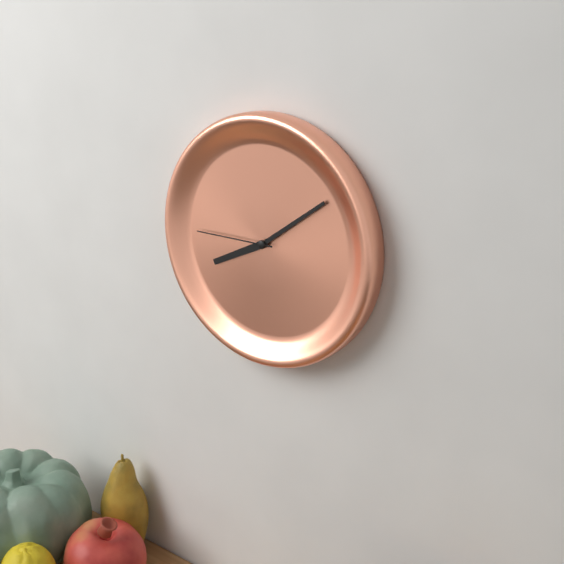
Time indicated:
8h09m45s
